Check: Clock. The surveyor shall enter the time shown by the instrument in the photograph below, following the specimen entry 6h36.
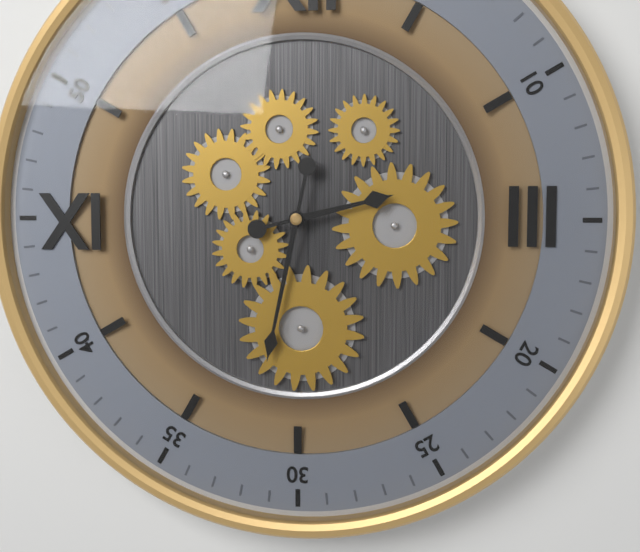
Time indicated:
2h32
